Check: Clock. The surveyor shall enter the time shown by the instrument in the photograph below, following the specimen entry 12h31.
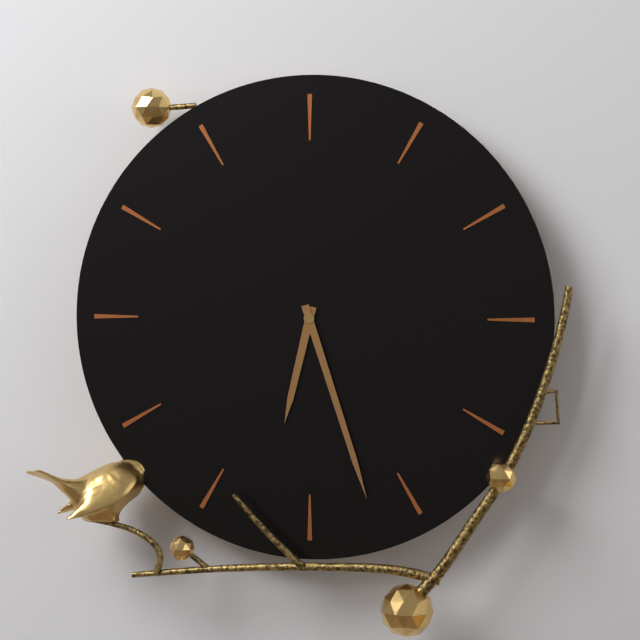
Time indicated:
6h27
